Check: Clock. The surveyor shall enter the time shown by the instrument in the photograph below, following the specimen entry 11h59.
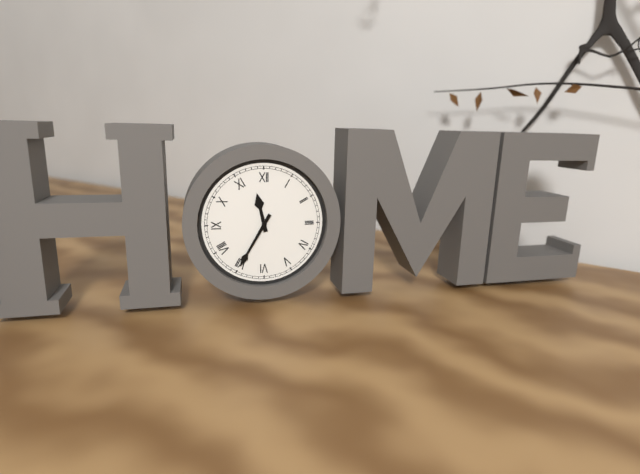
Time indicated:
11h35
